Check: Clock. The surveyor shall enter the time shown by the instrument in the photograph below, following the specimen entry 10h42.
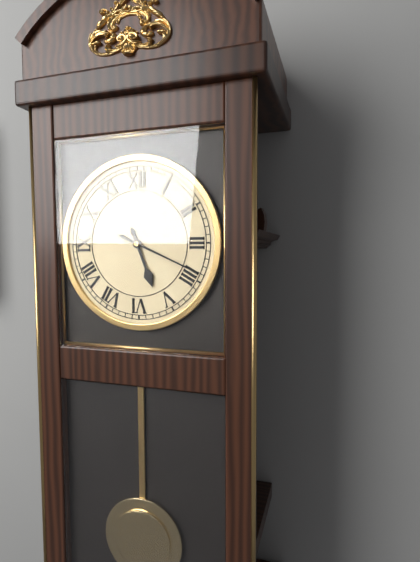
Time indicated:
5h19
